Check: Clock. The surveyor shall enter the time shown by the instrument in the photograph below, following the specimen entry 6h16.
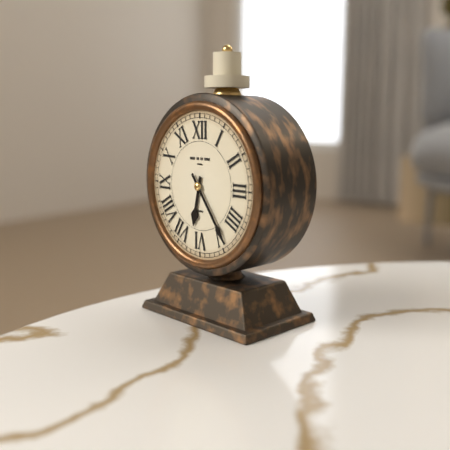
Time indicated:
6h24
